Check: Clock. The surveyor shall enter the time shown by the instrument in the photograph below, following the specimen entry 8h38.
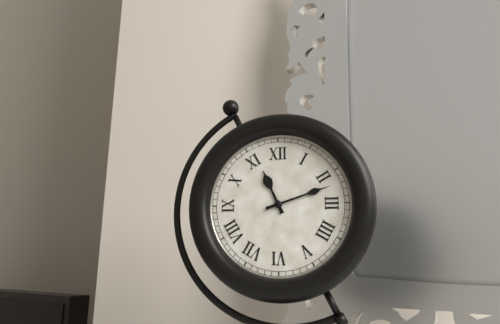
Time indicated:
11h12
